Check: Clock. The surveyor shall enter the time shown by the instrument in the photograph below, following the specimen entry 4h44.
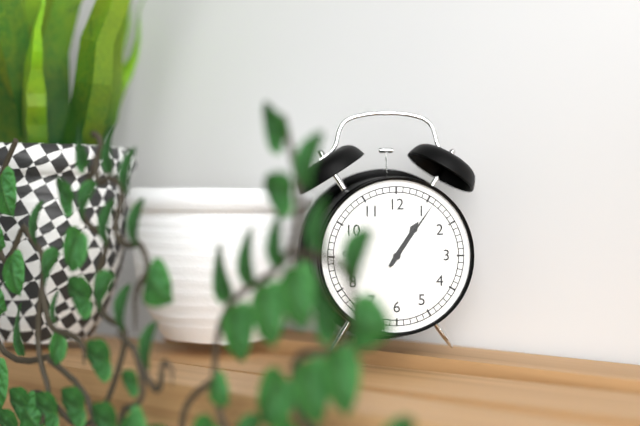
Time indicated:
1h06
